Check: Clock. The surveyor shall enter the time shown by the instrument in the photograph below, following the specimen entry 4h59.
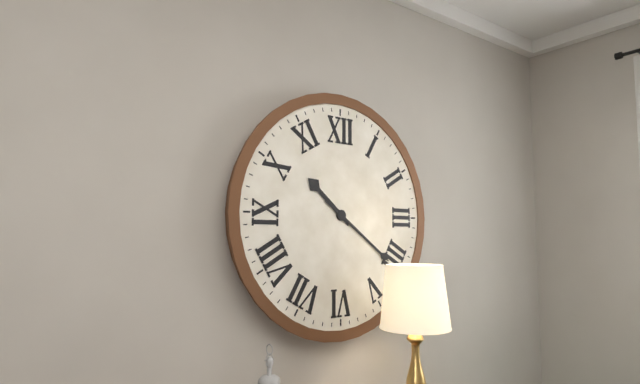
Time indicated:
10h21
